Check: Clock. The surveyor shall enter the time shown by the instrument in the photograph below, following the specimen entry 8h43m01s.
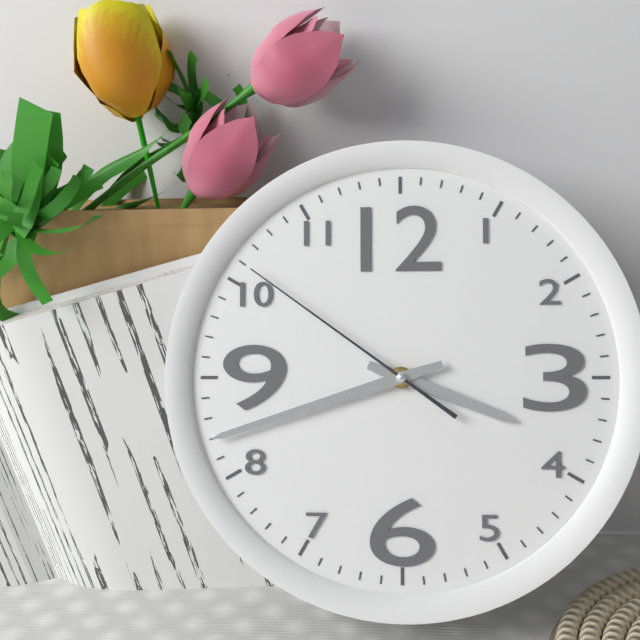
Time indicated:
3h42m51s
